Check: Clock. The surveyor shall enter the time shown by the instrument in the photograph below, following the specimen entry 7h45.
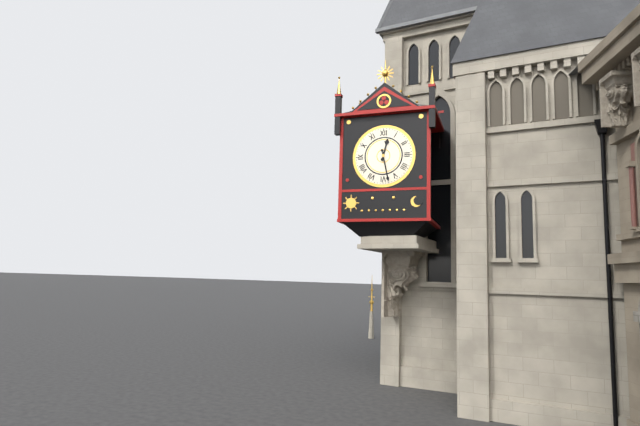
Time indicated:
12h28
